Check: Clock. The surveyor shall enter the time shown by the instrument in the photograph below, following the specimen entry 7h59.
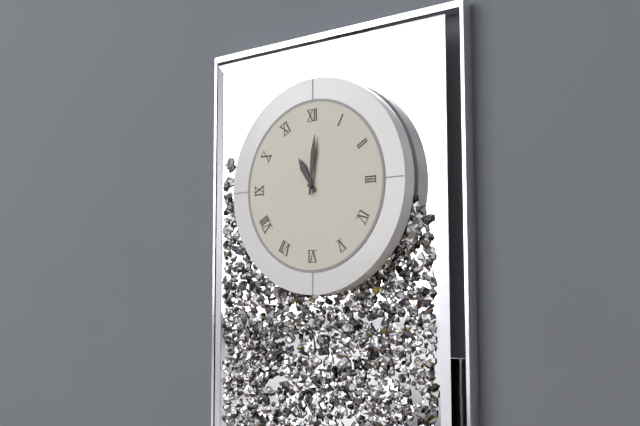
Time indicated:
11h01
